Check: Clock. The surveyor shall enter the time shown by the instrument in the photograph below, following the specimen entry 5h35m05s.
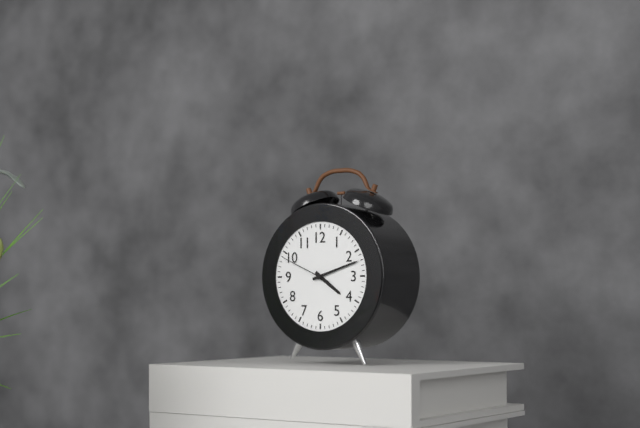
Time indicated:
4h12m49s
